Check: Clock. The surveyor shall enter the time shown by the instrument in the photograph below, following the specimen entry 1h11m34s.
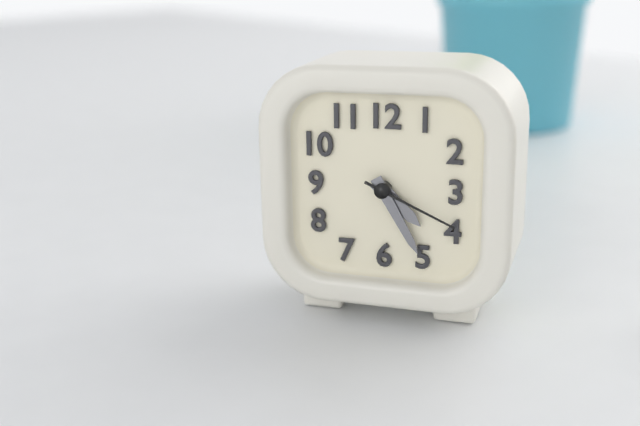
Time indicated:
4h25m19s
